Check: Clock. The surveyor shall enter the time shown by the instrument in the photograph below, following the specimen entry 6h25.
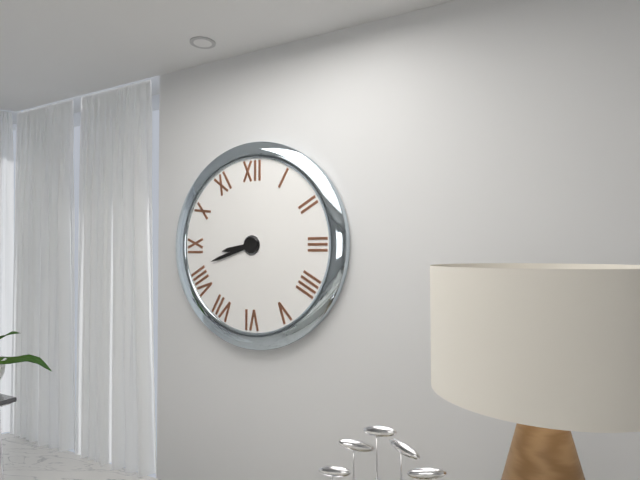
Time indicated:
8h42
